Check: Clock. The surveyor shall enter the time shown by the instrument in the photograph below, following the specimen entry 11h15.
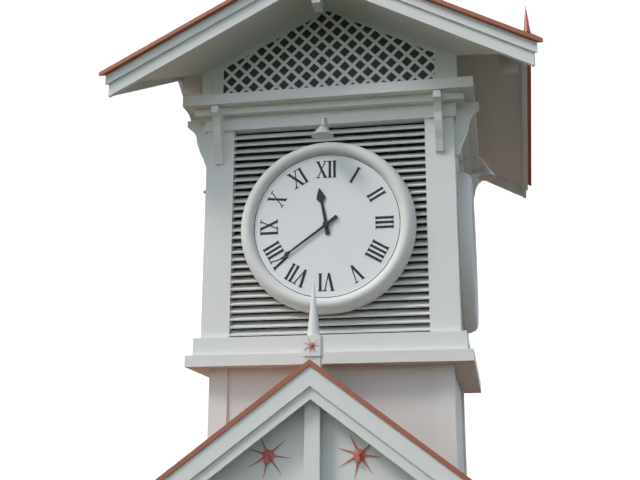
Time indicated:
11h39
